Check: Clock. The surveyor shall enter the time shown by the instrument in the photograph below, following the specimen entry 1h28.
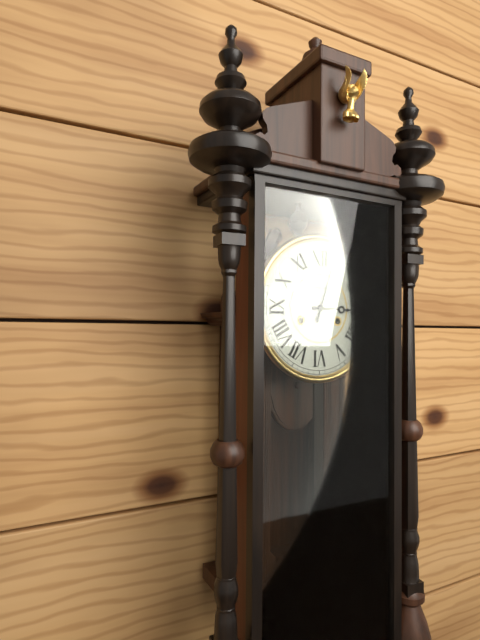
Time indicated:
3h03
